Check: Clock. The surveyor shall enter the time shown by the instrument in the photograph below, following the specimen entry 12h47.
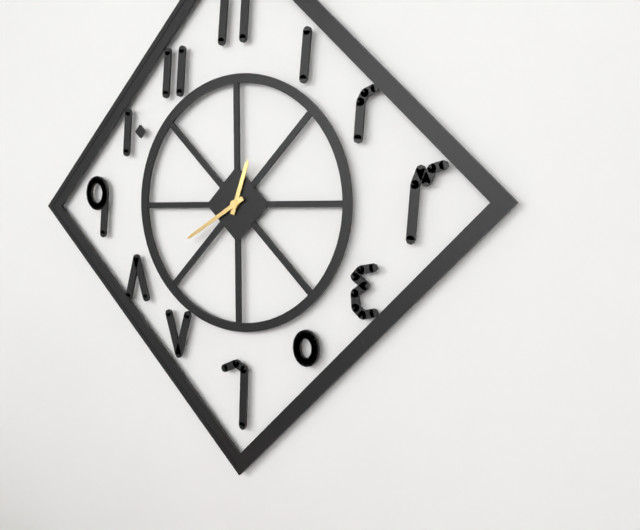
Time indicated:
12h40
